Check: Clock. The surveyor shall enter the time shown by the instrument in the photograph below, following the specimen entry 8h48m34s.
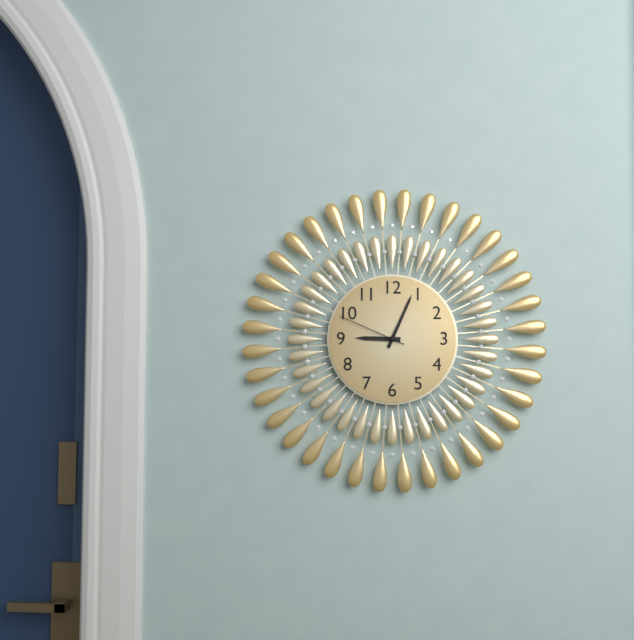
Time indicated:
9h04m49s
